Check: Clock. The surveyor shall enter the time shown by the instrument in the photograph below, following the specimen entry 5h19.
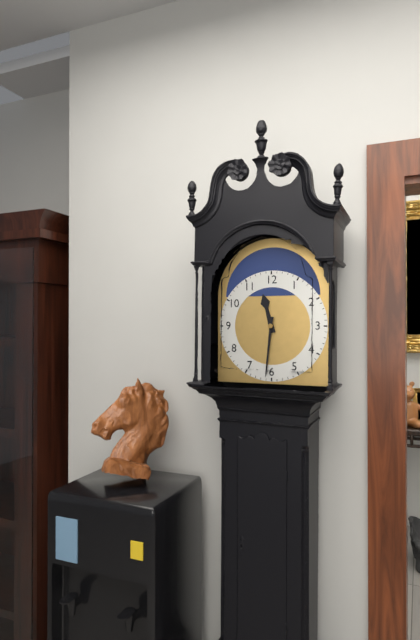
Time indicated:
11h31
